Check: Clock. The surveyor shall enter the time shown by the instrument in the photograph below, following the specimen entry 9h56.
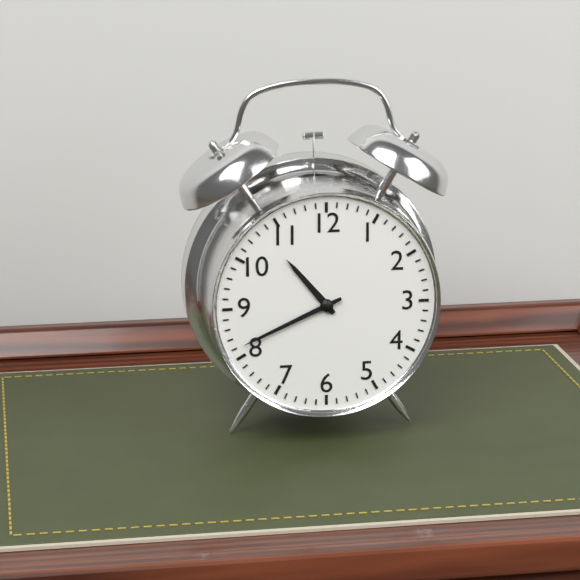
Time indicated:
10h41
